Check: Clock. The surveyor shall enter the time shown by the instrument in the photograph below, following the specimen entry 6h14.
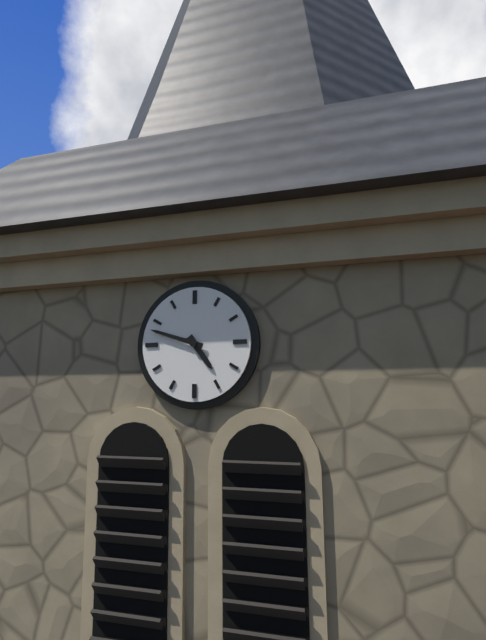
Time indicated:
4h48
